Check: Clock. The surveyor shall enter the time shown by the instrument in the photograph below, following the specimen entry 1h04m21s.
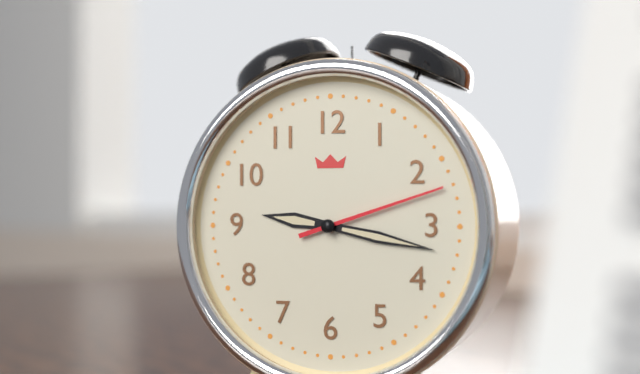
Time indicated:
9h17m12s
